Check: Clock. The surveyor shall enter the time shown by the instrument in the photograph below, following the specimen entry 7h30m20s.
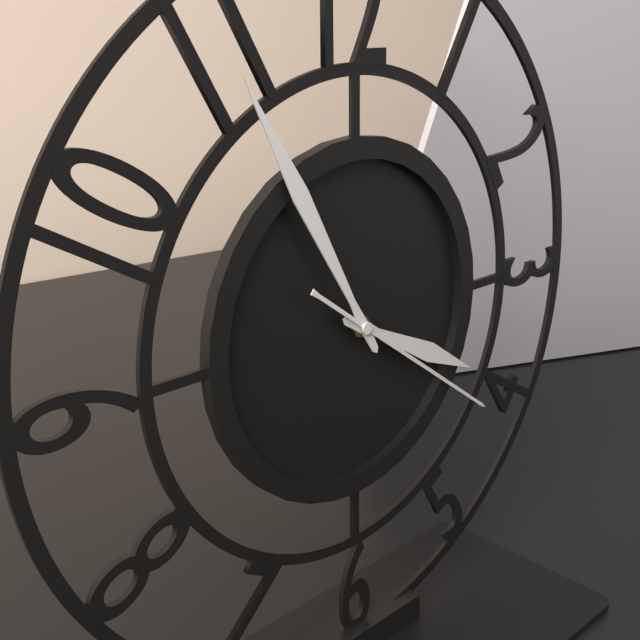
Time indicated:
3h55m21s
